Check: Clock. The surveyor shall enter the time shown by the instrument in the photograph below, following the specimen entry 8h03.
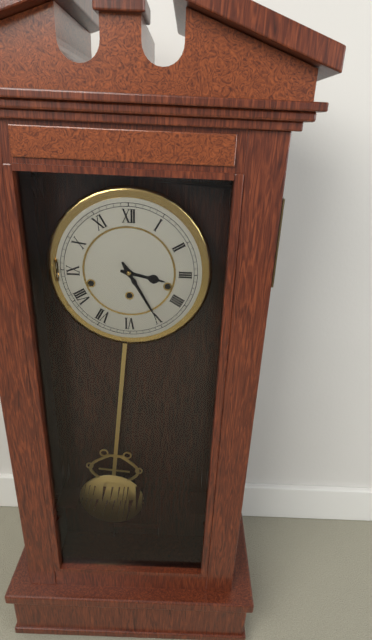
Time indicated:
3h25
